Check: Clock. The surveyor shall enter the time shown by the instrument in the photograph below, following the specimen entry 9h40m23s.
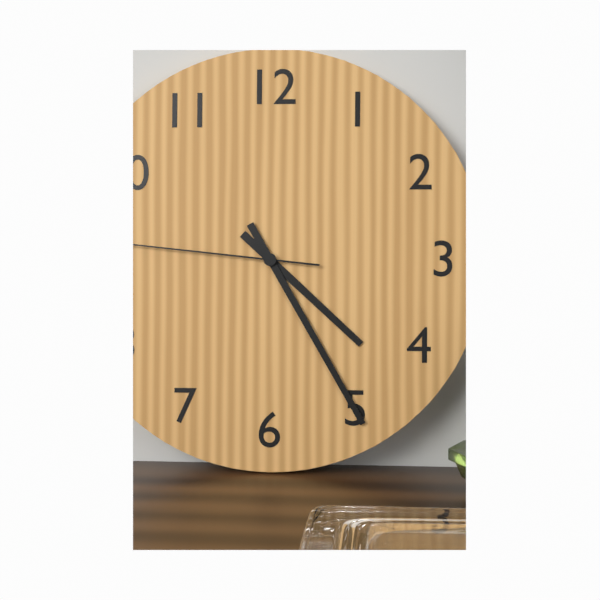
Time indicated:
4h25m46s
